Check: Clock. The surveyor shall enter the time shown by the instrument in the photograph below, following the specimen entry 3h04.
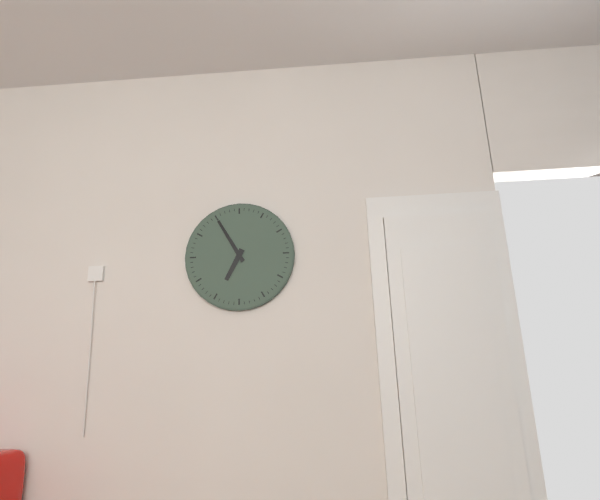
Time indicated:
6h55
